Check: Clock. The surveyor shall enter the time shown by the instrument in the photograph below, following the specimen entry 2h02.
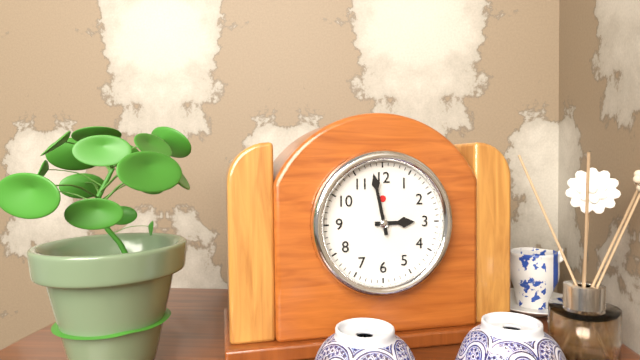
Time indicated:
2h58
